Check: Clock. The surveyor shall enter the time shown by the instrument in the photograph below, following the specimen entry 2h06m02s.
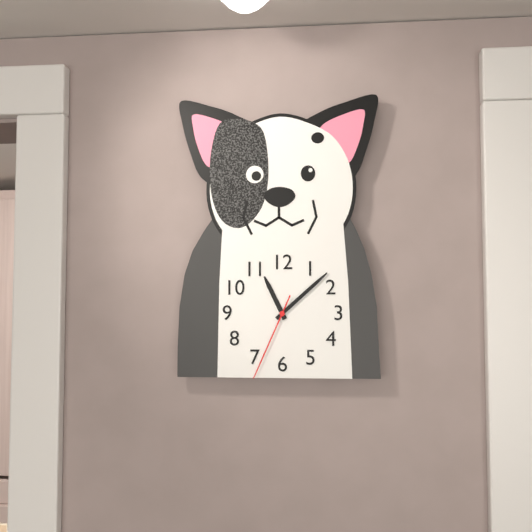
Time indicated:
11h08m34s
